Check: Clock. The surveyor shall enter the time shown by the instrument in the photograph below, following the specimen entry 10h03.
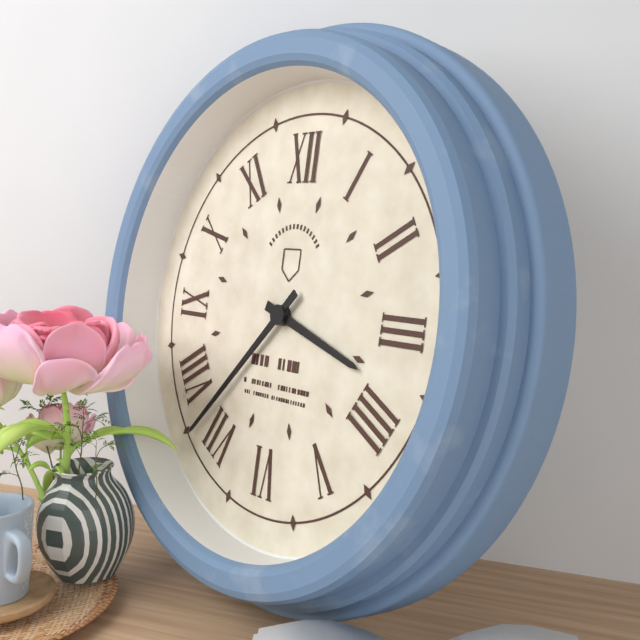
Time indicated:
3h37
